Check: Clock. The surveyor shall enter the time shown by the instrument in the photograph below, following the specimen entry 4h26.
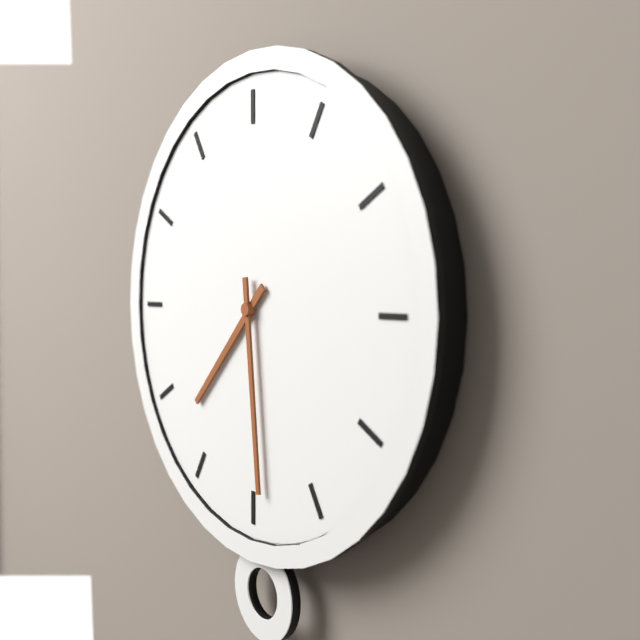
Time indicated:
7h29
